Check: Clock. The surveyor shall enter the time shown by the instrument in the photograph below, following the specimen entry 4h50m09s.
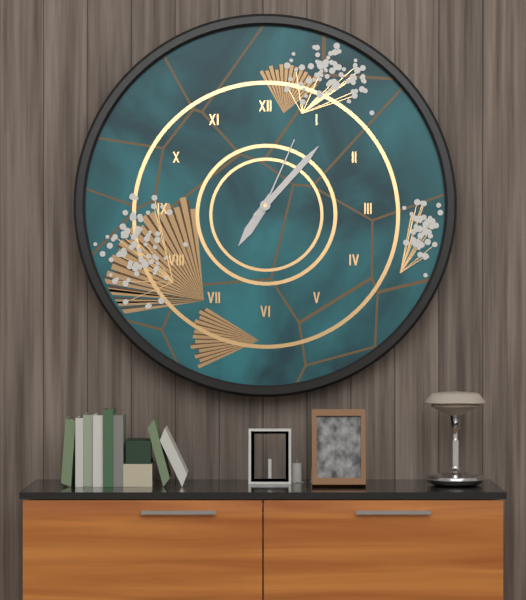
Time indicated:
7h07m04s
